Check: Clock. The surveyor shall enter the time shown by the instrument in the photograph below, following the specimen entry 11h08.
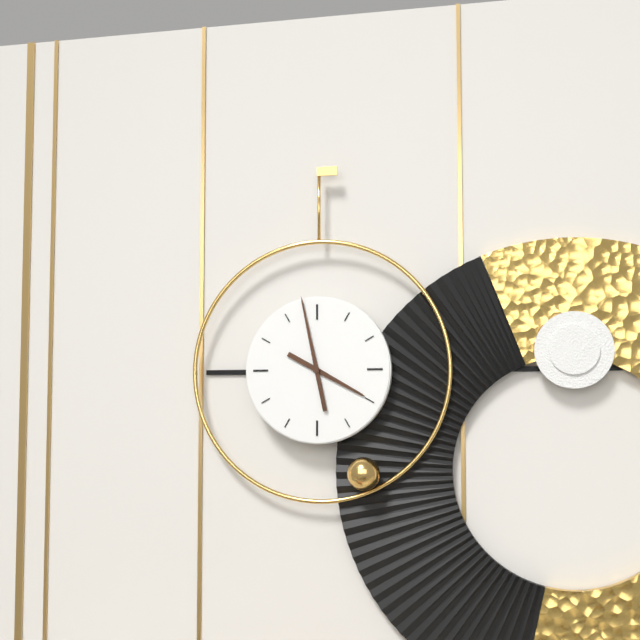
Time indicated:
3h58
